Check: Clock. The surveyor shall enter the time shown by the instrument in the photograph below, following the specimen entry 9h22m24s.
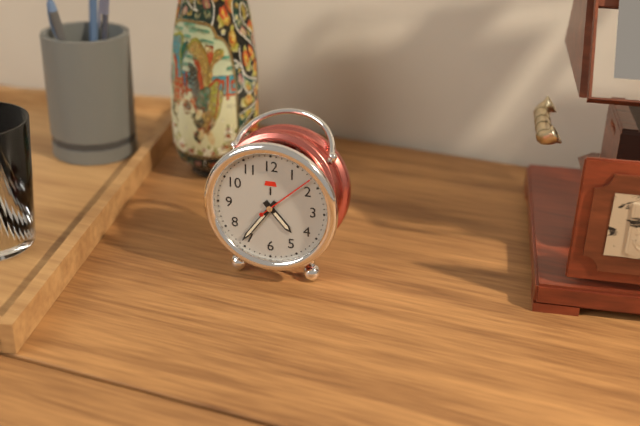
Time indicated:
4h36m08s
